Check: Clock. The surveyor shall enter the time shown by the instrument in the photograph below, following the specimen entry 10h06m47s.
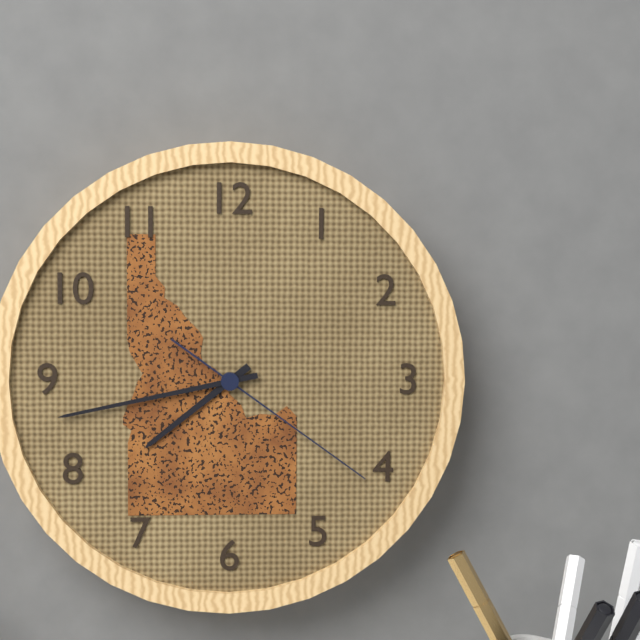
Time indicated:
7h43m21s
